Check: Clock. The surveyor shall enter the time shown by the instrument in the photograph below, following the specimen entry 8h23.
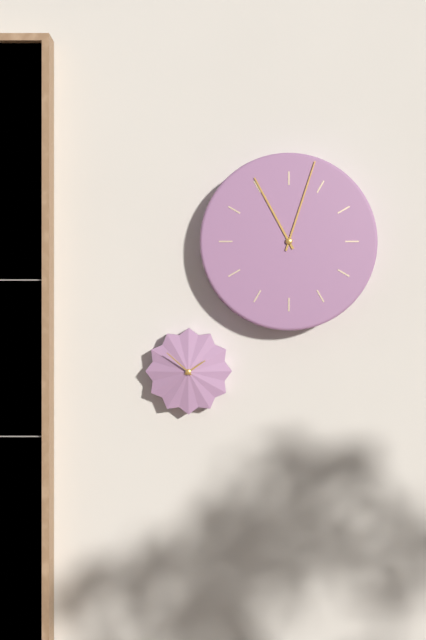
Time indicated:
11h03
